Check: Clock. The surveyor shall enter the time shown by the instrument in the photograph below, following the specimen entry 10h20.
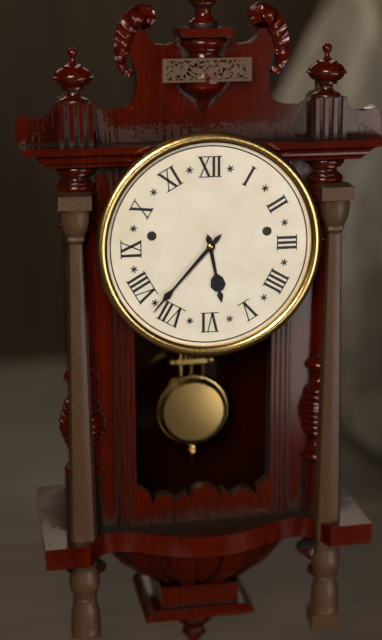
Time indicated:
5h37
